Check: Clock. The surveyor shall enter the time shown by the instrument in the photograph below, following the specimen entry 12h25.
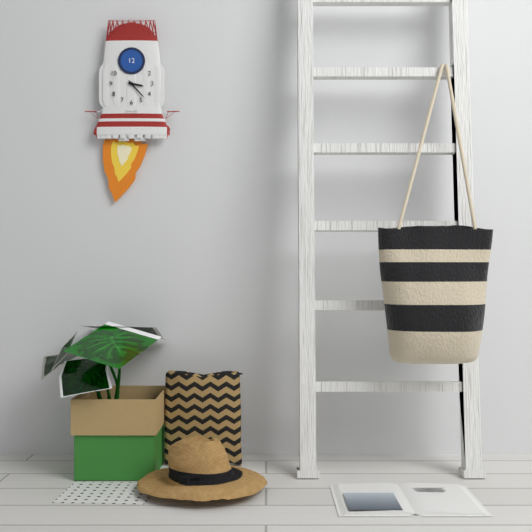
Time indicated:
3h23
